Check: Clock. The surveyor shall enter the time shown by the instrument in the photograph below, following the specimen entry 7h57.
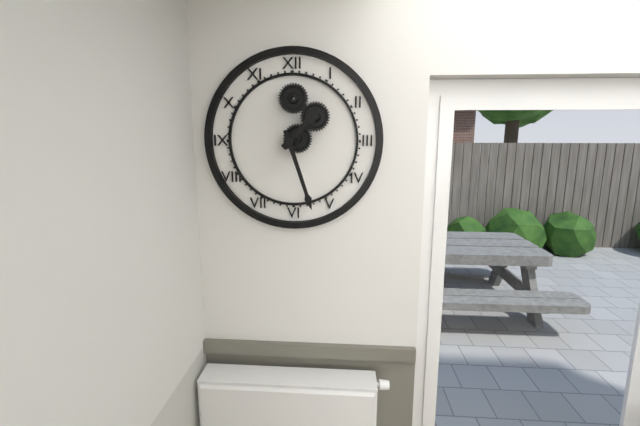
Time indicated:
1h27
